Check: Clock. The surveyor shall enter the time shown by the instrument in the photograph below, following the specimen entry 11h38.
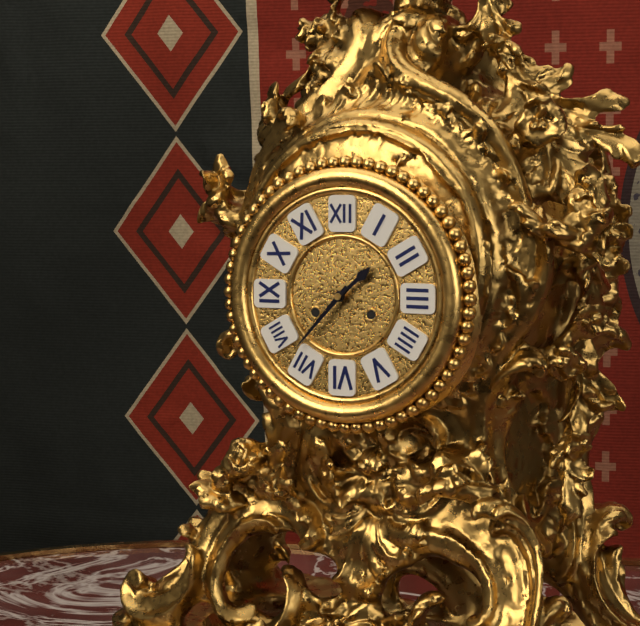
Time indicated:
1h37
